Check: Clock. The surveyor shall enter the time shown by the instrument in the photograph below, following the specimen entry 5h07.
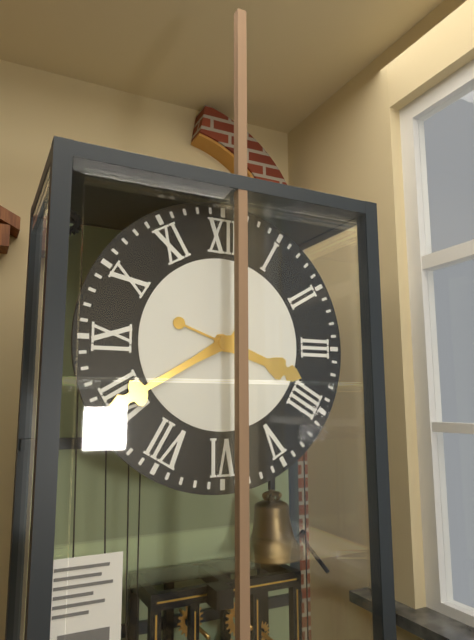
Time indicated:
3h40
